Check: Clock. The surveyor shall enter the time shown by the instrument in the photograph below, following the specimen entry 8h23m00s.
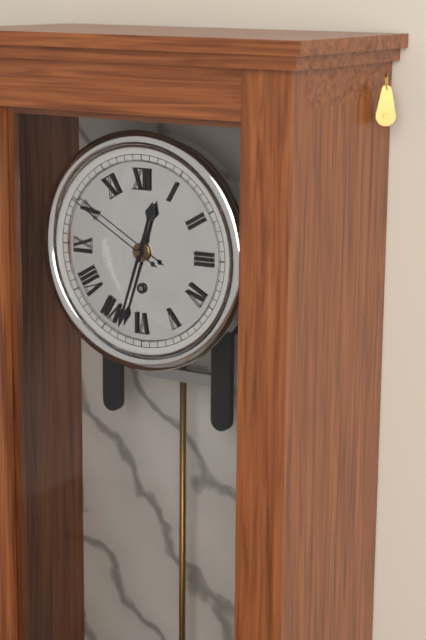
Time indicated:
12h33m50s
